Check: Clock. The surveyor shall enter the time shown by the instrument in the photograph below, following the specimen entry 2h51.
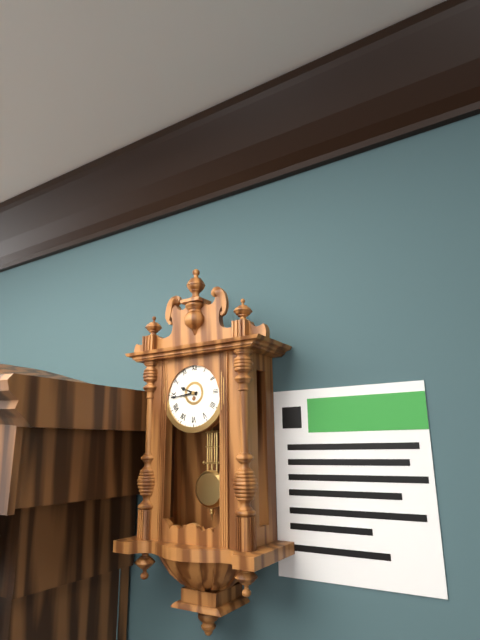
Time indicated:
9h44
